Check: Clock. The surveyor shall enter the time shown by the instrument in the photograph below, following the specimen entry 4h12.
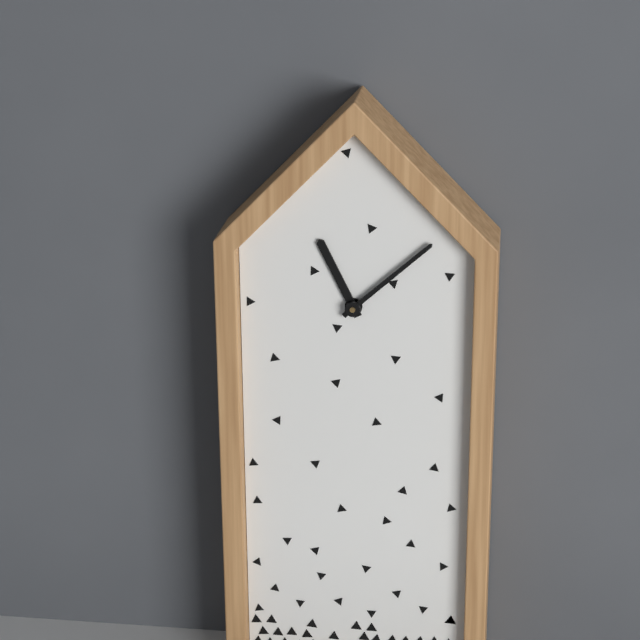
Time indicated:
11h08
